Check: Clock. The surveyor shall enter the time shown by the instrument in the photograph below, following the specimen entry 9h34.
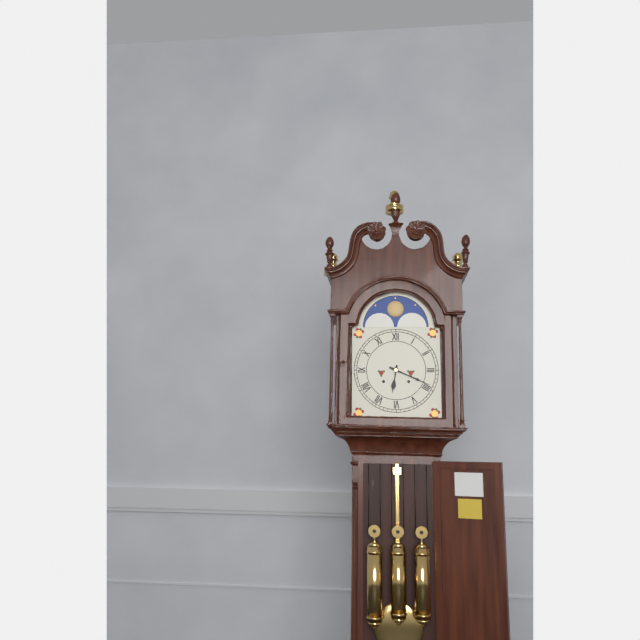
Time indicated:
6h19
